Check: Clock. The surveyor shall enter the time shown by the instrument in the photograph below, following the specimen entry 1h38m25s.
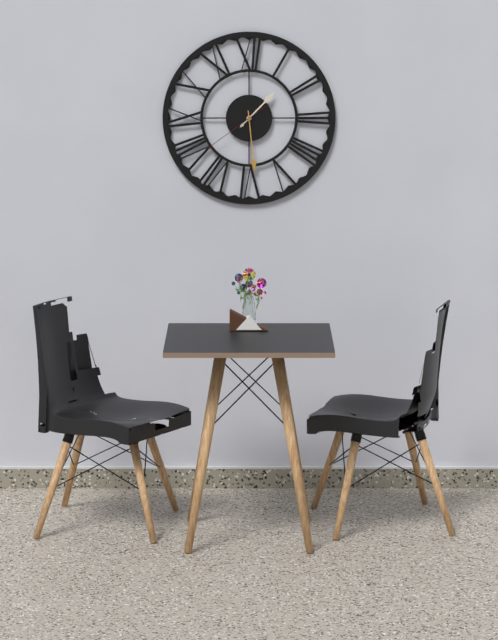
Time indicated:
1h29m39s
